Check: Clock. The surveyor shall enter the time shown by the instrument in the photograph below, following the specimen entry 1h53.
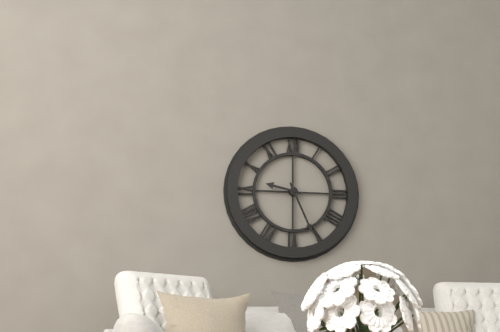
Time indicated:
9h26
